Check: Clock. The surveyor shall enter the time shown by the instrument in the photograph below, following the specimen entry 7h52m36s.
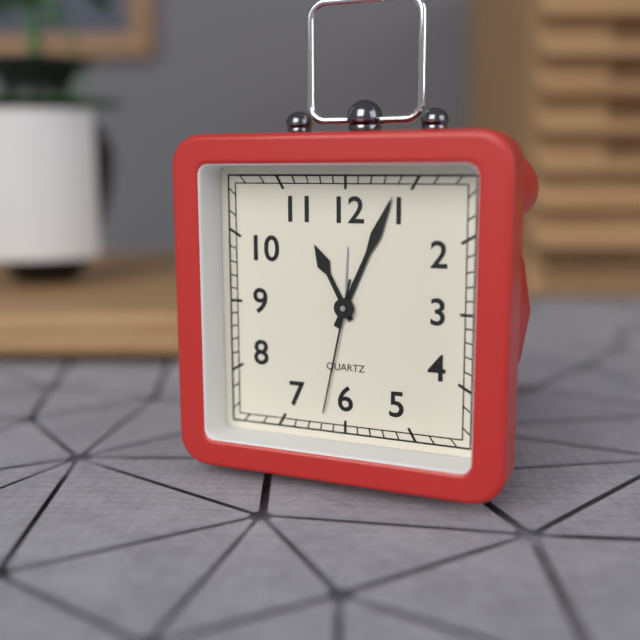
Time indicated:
11h04m32s
